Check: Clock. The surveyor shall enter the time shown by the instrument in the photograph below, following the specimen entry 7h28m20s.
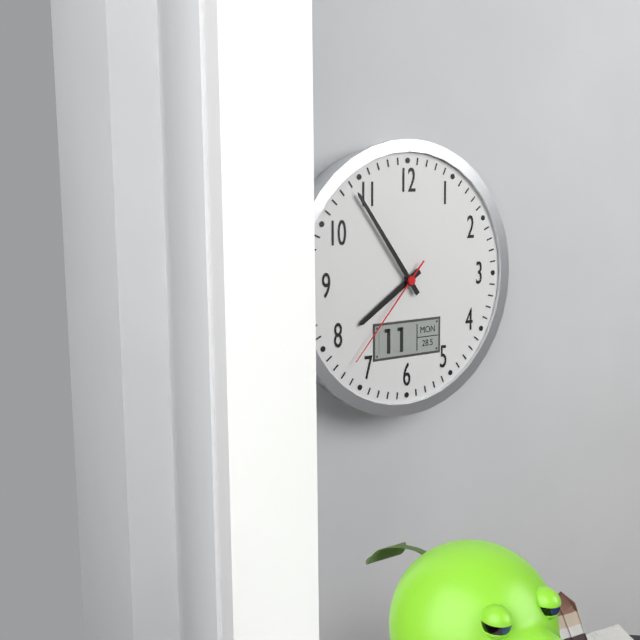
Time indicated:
7h54m37s
